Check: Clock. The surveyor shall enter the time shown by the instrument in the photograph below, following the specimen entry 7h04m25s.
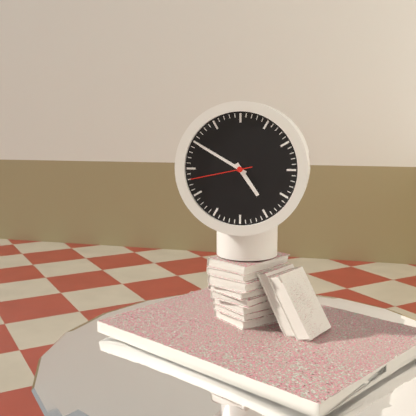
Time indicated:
4h50m43s
